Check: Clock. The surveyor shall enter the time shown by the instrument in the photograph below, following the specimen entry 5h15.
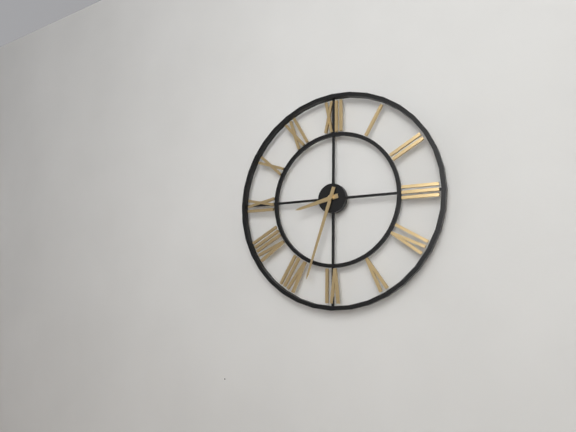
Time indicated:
8h33
